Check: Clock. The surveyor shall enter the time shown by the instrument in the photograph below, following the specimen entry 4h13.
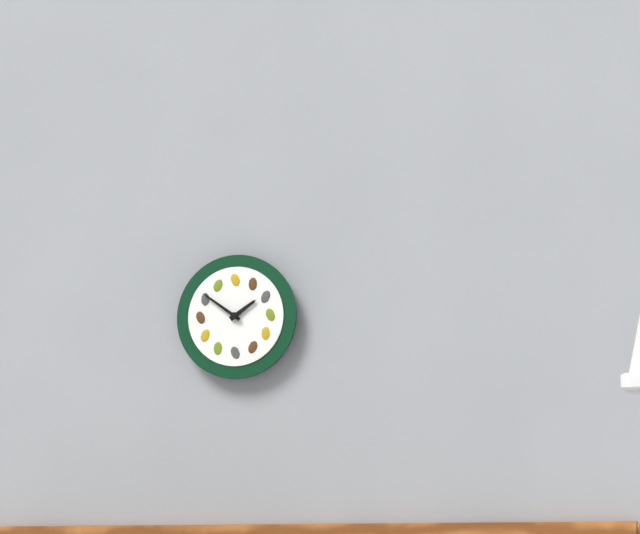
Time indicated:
1h51
